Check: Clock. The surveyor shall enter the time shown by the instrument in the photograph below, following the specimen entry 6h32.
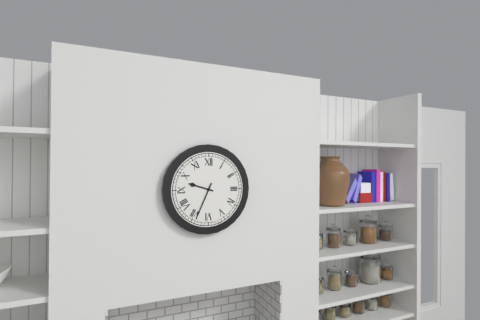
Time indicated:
9h34
